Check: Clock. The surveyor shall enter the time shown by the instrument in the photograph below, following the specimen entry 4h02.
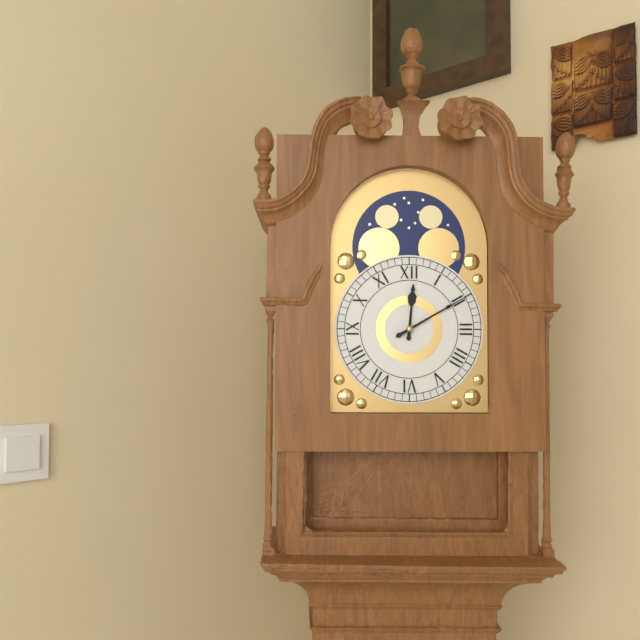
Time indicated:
12h10
